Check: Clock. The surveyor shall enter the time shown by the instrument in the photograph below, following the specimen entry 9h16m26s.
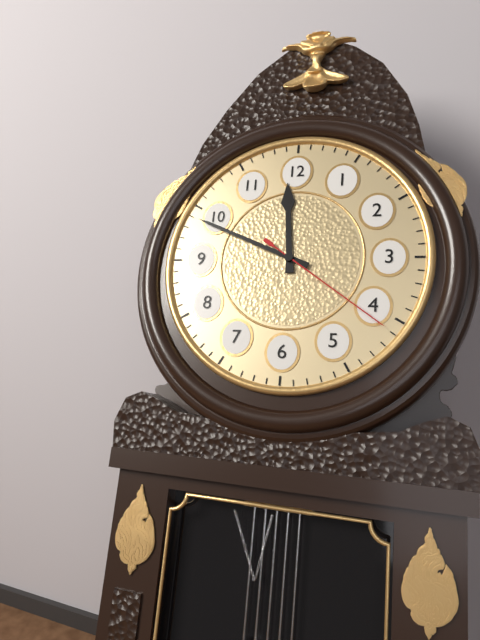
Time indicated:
11h49m21s
